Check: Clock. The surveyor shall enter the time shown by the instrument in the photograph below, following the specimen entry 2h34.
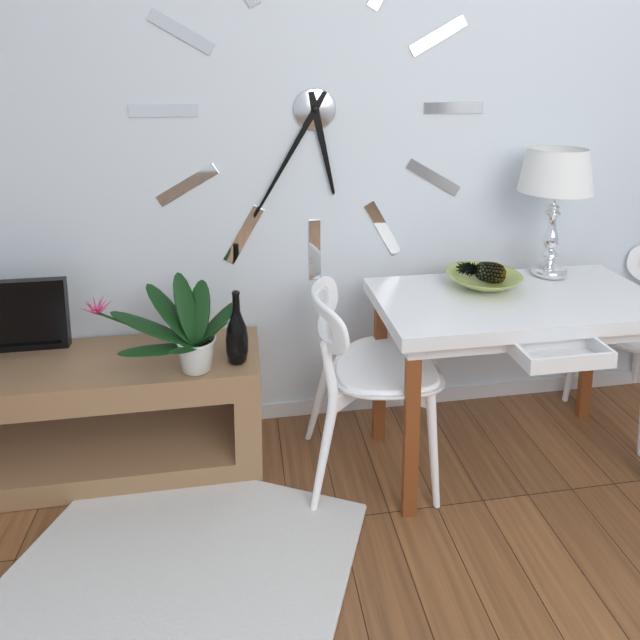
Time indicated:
5h35
